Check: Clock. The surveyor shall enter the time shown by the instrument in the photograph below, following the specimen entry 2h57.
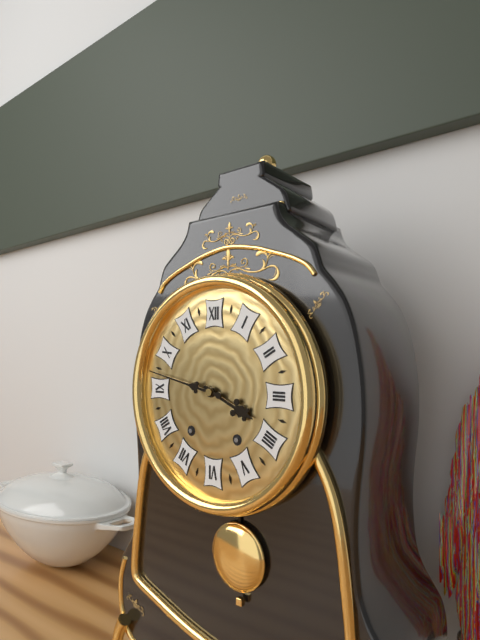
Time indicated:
3h47
